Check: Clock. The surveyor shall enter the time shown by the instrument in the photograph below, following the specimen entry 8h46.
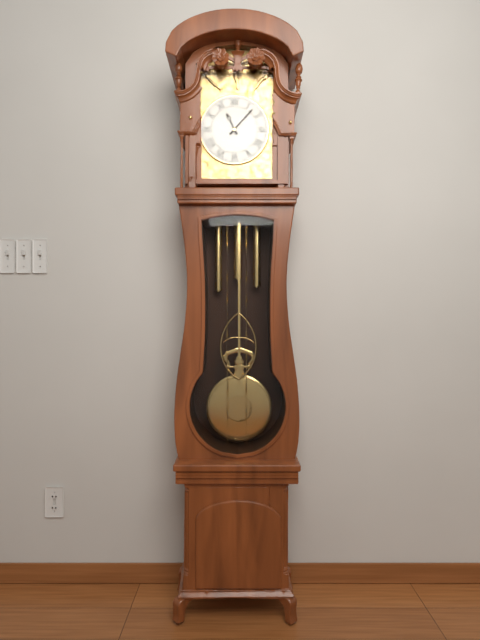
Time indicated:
11h07
